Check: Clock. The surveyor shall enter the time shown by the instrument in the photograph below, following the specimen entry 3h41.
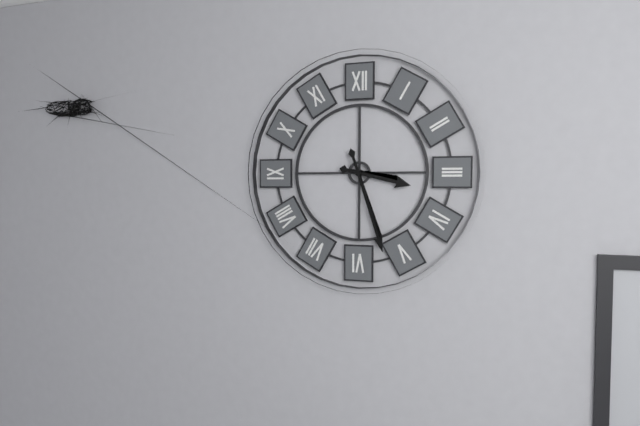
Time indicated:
3h27
